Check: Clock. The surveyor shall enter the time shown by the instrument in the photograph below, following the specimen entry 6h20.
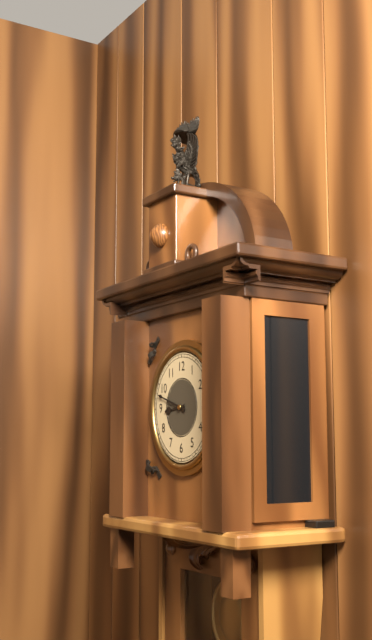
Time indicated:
8h48
